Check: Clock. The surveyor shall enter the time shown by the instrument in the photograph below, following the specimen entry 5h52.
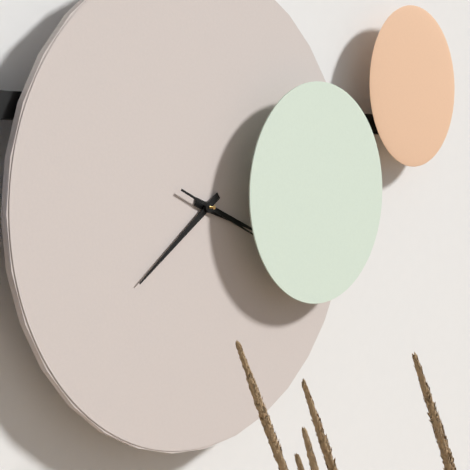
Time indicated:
3h39
